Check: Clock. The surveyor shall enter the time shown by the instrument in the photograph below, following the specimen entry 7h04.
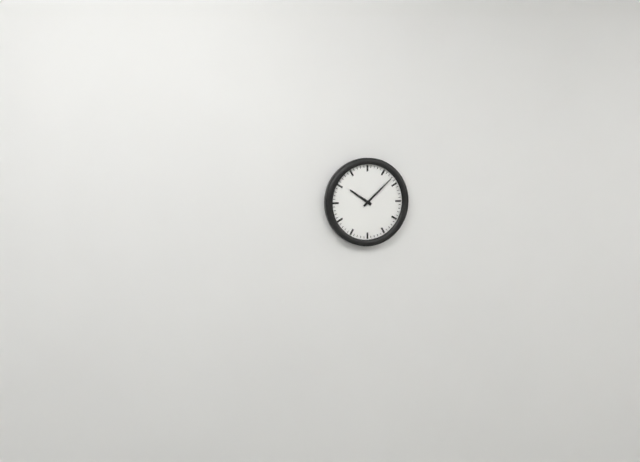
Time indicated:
10h08
